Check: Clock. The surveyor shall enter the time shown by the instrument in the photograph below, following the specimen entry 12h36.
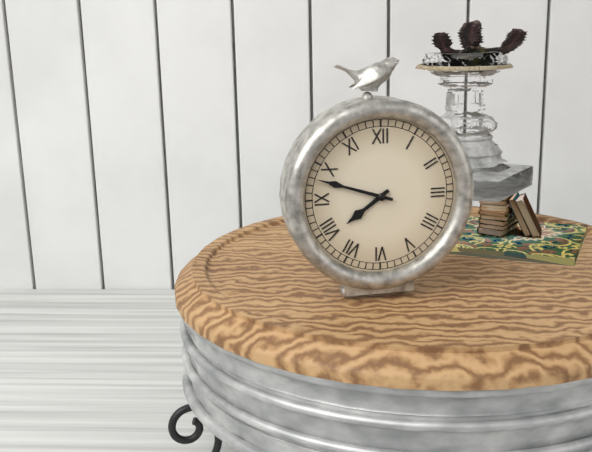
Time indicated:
7h48
